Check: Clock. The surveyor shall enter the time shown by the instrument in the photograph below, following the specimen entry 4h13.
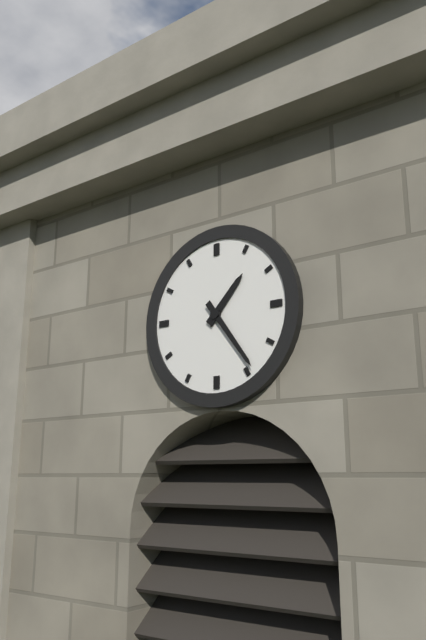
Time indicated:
1h24
